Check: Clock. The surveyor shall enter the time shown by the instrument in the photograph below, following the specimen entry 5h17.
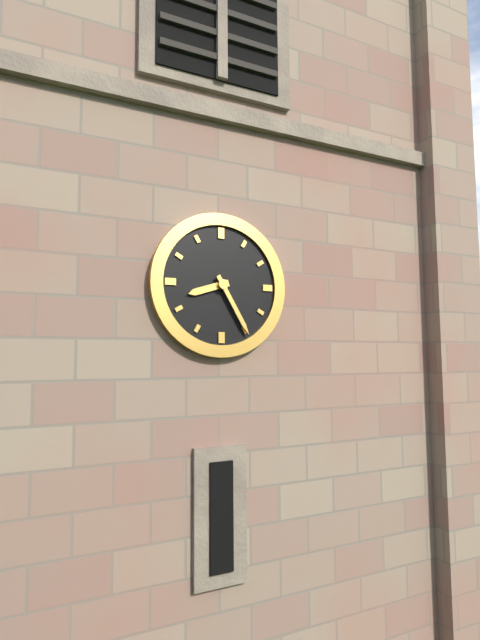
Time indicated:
8h25
